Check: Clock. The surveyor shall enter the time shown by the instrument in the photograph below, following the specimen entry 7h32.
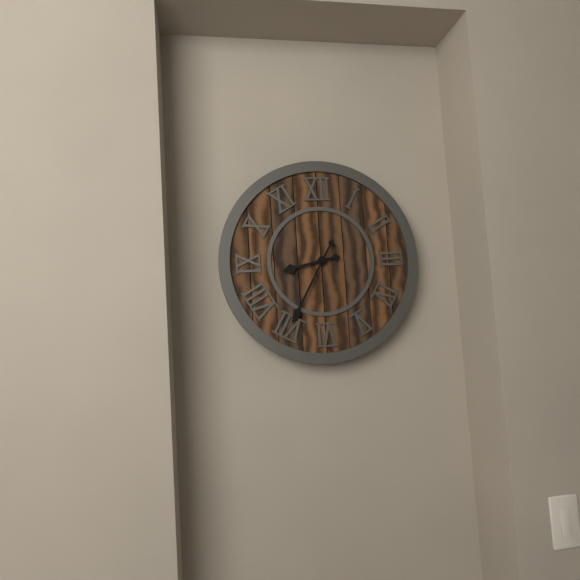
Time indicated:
8h35
